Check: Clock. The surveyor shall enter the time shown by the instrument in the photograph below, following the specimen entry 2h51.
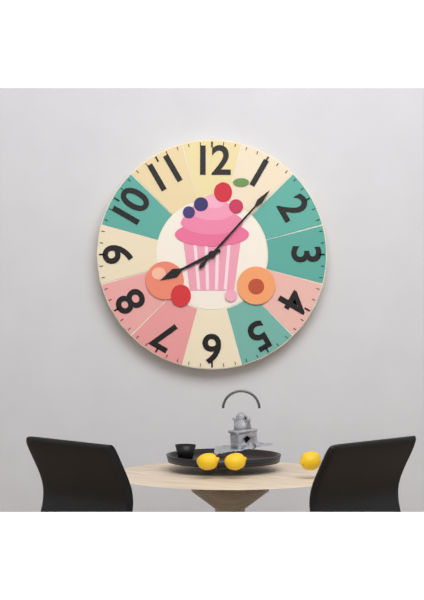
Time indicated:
8h07
